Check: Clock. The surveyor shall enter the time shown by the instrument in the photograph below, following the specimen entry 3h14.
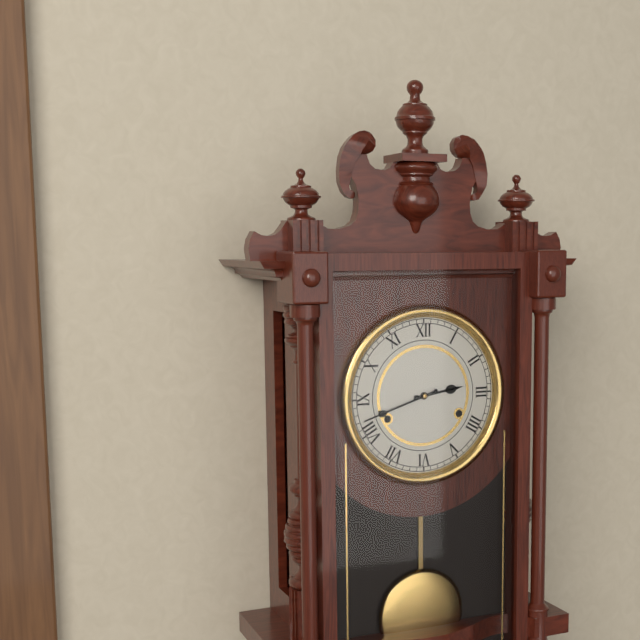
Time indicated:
2h42
